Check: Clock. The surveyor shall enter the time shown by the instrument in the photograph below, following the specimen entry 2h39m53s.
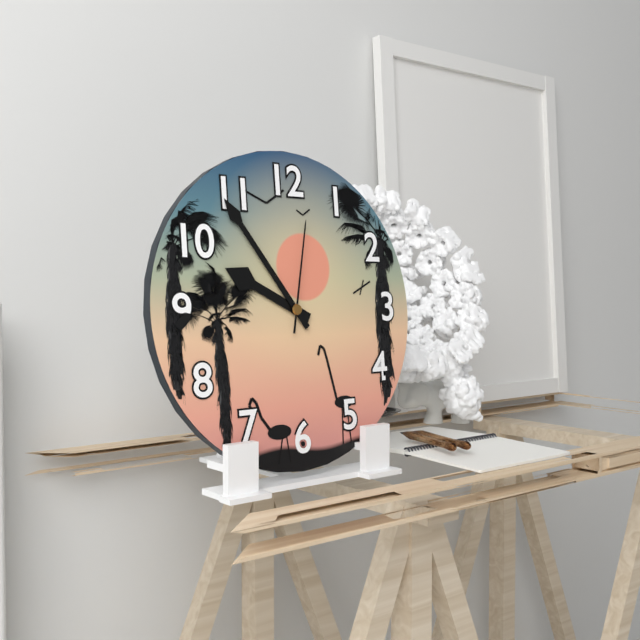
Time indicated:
9h54m02s
